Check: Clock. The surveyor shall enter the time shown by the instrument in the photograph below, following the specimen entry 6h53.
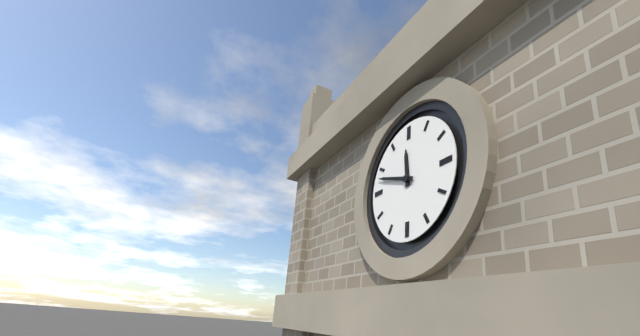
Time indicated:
11h48
